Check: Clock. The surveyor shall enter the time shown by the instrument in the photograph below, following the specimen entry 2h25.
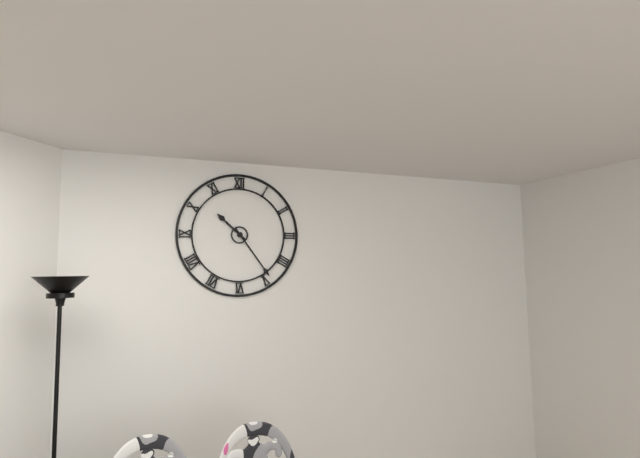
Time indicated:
10h24
